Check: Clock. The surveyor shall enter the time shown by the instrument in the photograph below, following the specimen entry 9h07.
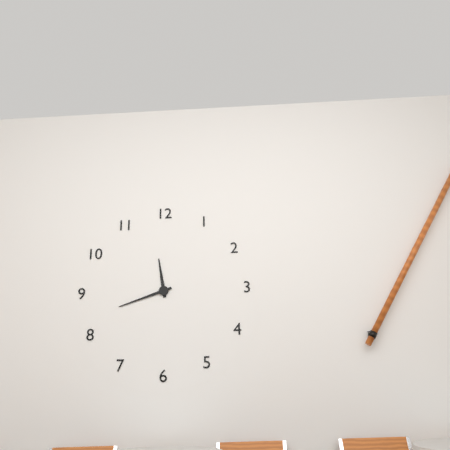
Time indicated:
11h42
